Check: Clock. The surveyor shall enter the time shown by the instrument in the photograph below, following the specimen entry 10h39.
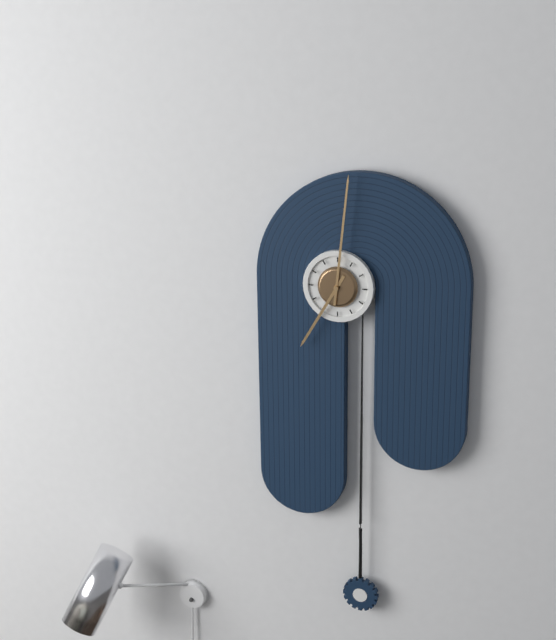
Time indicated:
7h01
